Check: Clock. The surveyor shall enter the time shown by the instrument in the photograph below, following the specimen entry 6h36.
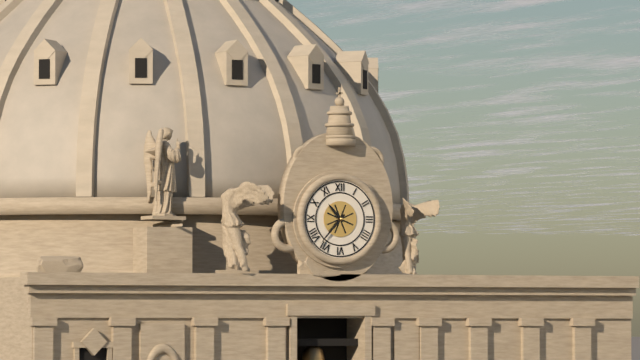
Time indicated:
10h37
